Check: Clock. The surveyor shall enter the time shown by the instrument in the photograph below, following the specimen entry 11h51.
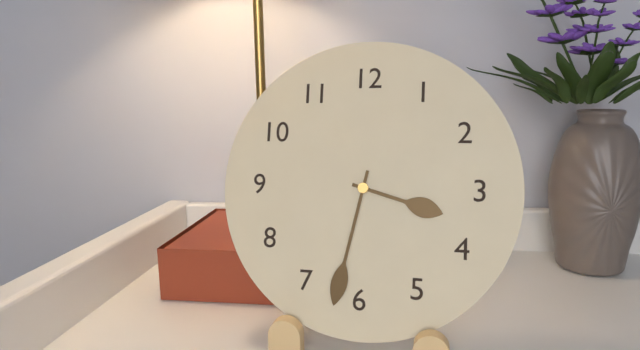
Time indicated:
3h32
